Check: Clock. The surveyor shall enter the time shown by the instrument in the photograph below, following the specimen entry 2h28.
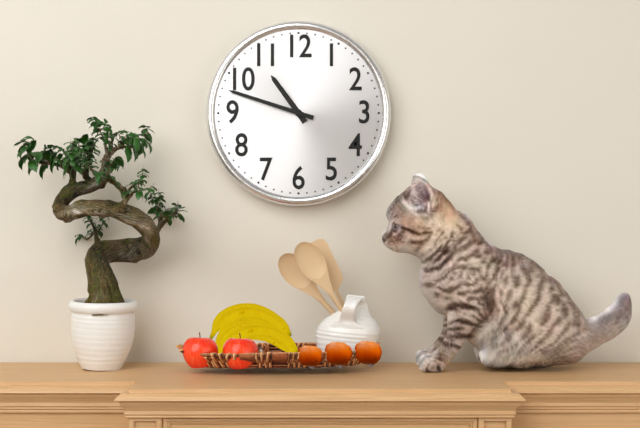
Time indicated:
10h48
